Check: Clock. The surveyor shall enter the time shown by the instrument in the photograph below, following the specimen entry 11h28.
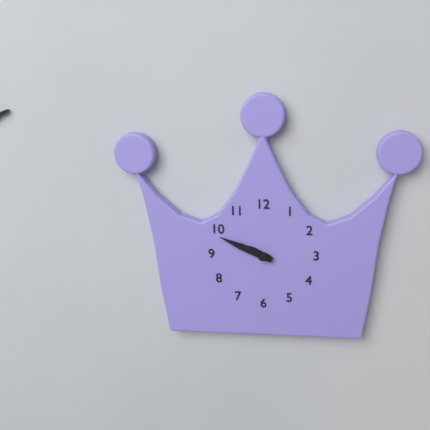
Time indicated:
9h49
